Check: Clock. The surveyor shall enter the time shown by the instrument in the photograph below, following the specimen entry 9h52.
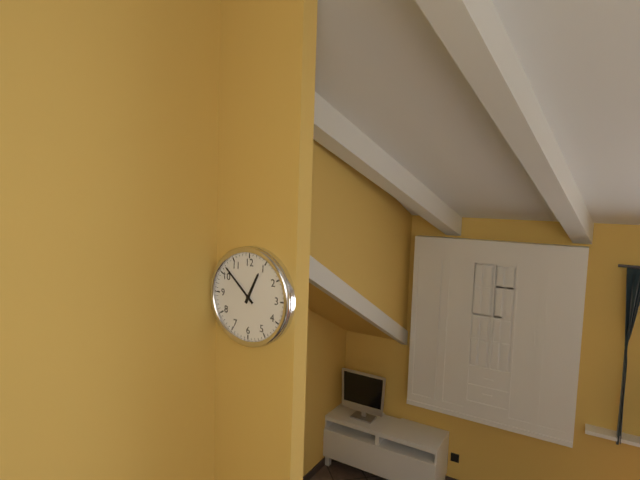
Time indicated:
12h52
